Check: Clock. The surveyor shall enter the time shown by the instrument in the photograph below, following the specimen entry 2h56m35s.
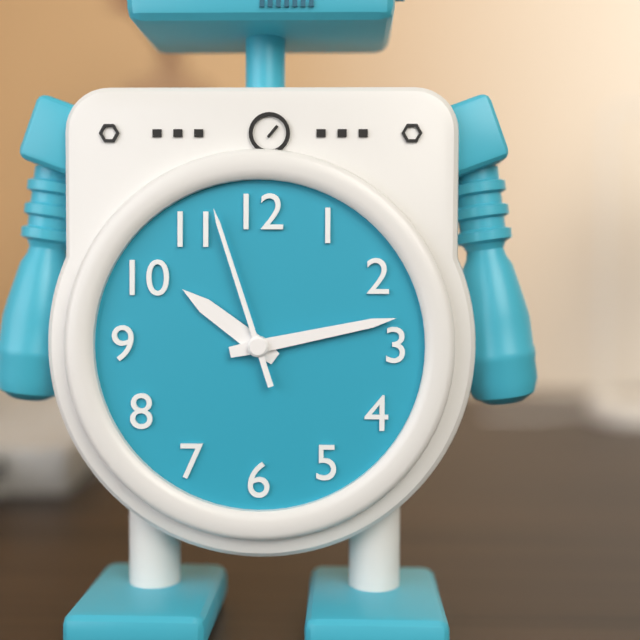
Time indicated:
10h13m57s
